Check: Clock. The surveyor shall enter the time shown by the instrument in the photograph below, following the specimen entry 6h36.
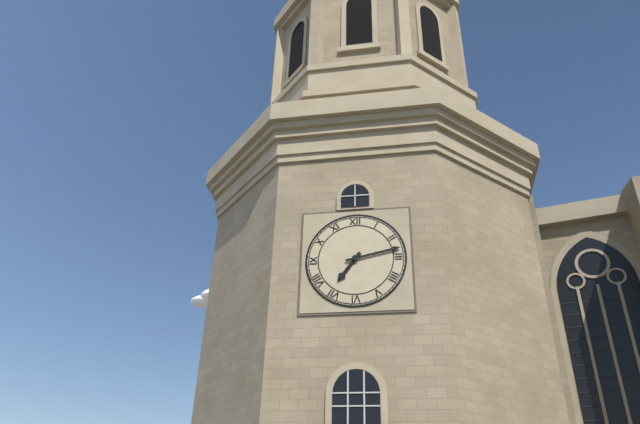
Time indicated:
7h13
